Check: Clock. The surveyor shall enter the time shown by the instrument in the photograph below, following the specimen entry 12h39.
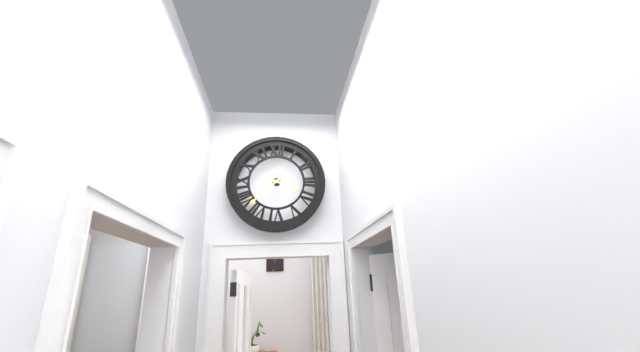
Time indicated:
3h38
